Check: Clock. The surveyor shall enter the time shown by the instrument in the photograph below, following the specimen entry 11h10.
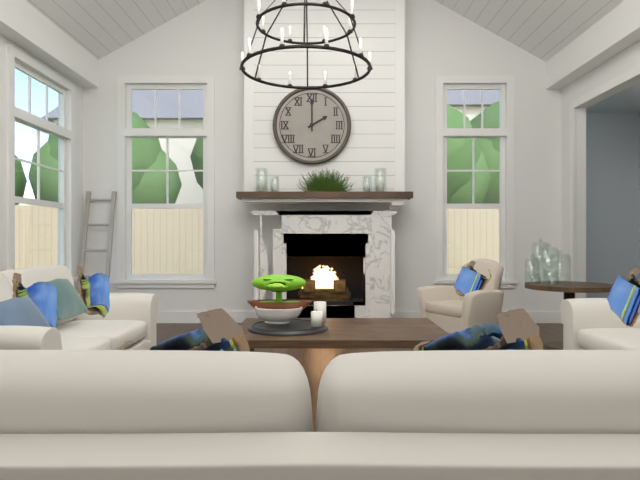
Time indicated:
2h00
